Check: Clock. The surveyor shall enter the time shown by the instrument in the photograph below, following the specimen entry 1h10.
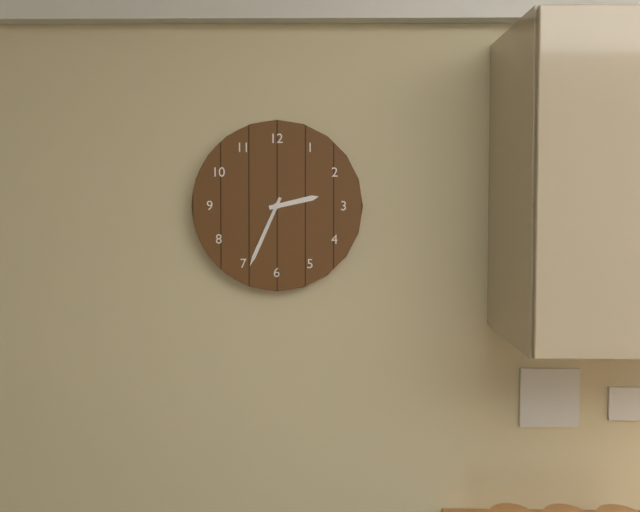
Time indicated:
2h34
